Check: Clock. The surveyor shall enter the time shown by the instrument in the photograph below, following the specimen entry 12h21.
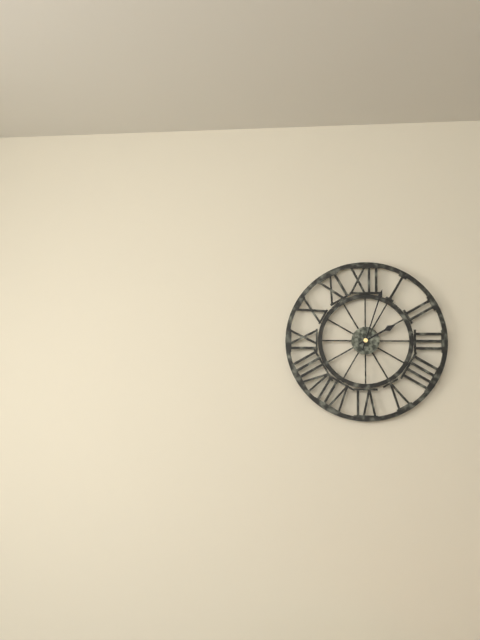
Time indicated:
2h03
